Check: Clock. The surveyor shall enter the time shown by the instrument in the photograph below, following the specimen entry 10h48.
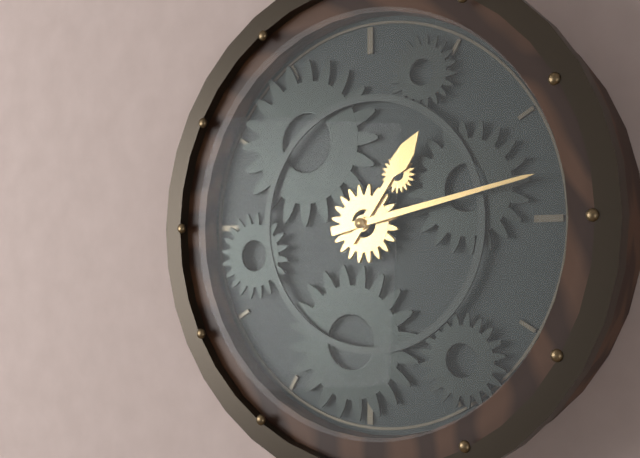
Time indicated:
1h13
